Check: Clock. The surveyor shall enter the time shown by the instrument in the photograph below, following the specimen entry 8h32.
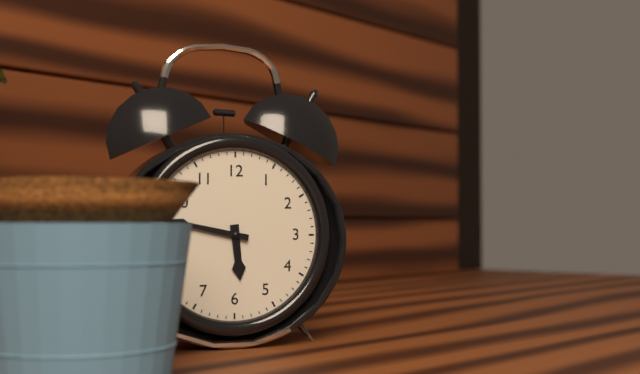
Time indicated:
5h47
